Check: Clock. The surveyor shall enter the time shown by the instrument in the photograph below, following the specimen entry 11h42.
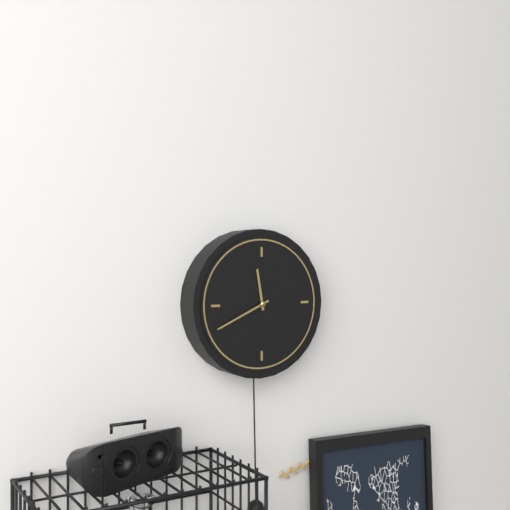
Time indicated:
11h41
